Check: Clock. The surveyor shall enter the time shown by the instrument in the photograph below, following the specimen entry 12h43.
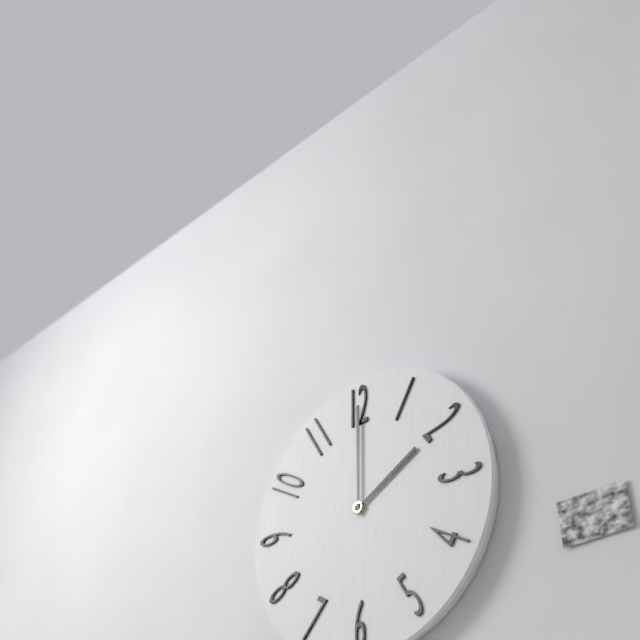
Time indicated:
2h00
